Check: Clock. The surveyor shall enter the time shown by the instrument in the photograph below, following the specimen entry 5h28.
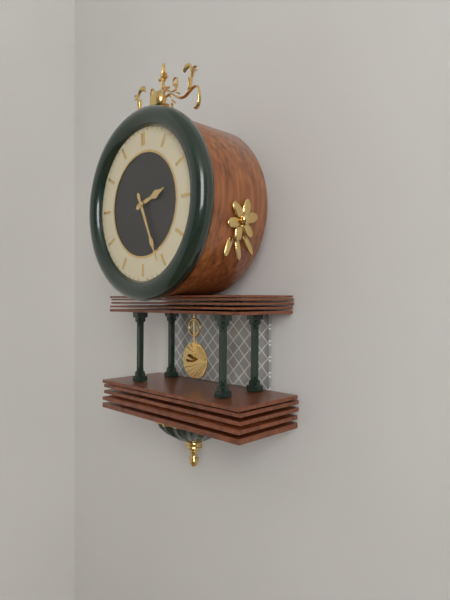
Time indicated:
2h26
